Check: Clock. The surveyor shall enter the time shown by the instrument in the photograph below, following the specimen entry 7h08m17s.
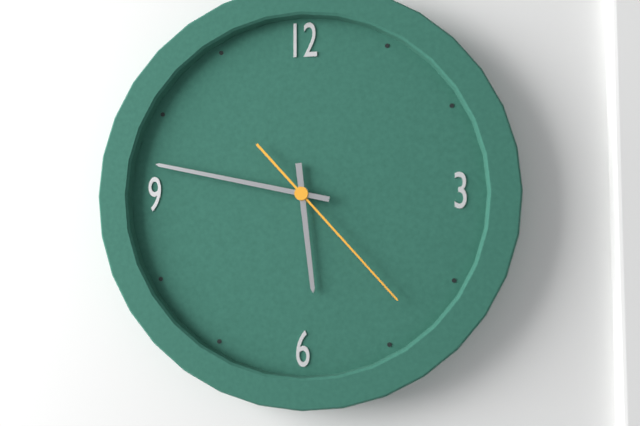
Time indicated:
5h47m23s
